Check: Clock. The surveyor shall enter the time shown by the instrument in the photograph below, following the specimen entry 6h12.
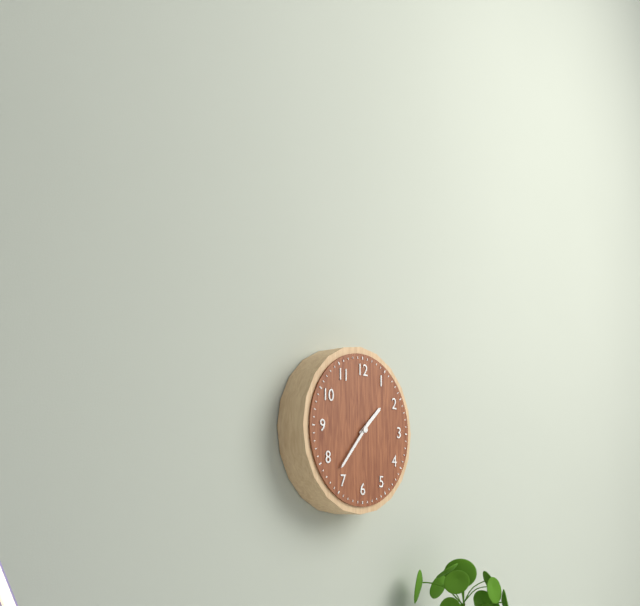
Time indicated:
1h37
